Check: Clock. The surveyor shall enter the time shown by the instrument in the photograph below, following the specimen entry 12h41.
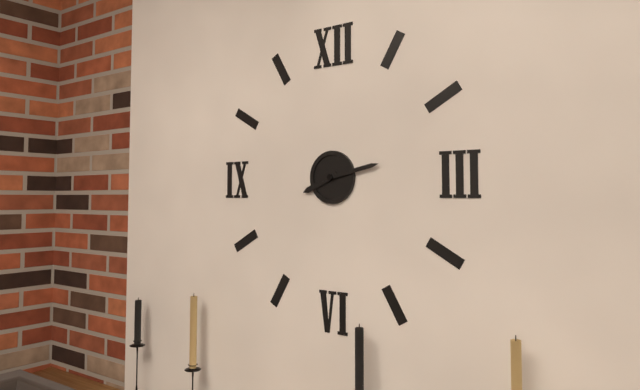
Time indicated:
8h13
